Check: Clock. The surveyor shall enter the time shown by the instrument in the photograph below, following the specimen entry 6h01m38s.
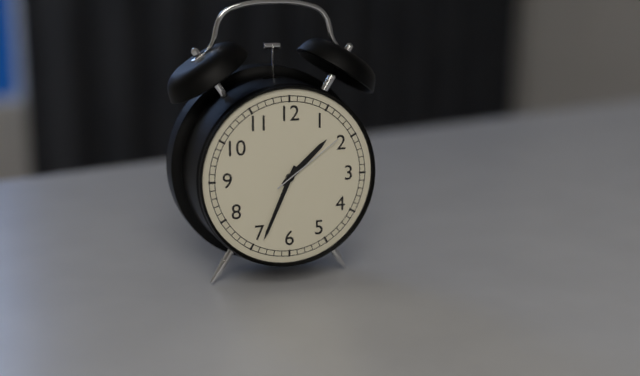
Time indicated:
1h34m09s
